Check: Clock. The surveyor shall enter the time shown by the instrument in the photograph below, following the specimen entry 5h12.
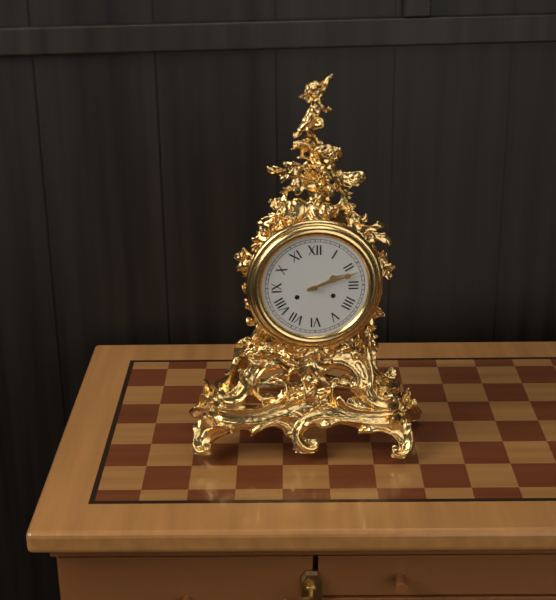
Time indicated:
2h12
